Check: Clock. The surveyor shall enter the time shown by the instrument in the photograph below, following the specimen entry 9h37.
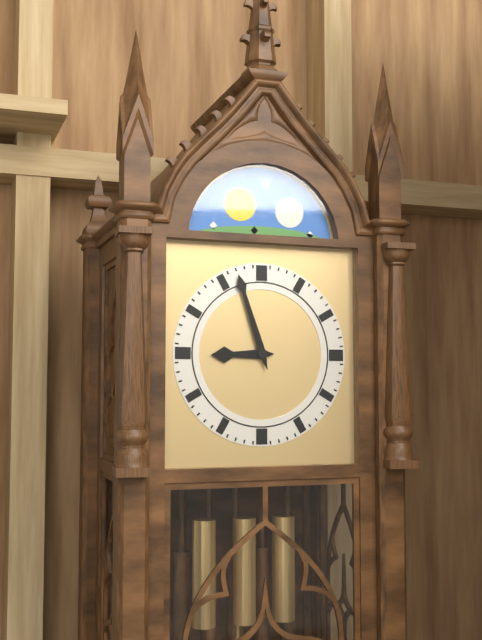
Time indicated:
8h57
